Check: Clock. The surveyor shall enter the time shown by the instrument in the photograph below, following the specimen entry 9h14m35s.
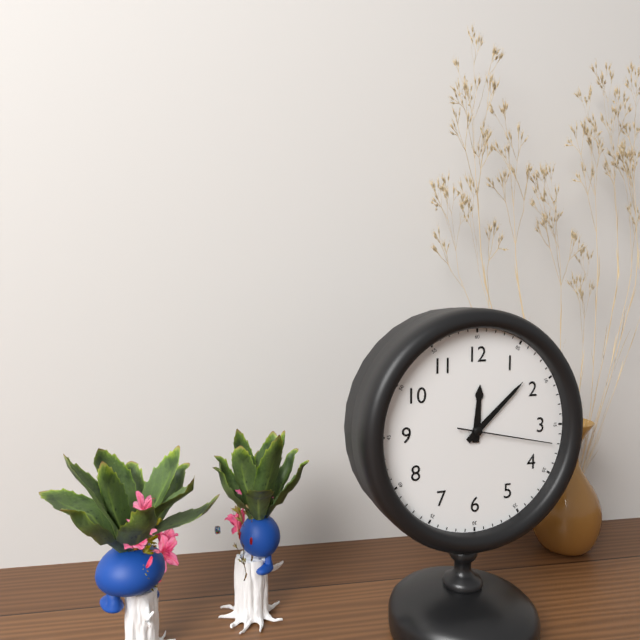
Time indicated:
12h08m17s
